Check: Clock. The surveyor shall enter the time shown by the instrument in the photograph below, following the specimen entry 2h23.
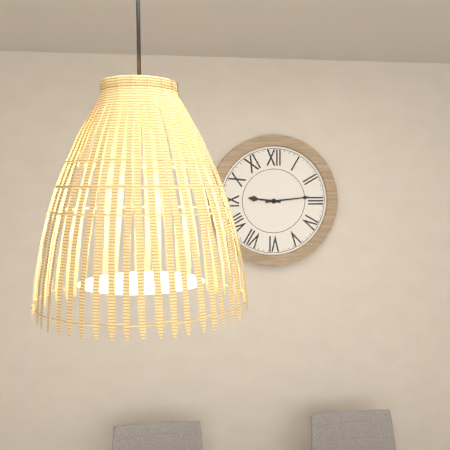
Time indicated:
9h14
